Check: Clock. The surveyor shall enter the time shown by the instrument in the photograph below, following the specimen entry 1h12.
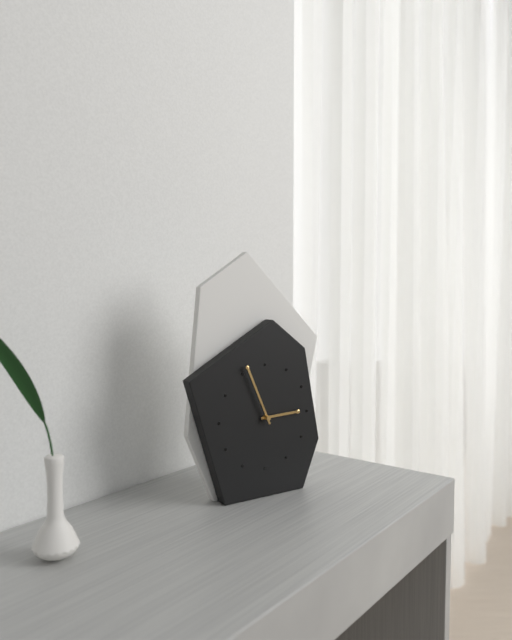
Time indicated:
2h56
